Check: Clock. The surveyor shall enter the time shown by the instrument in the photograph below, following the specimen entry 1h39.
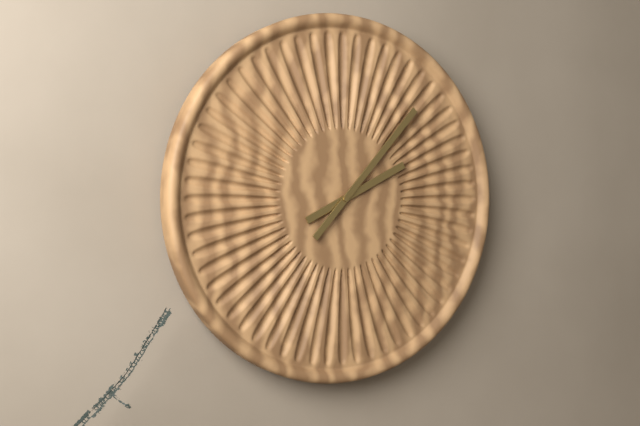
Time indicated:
2h07
